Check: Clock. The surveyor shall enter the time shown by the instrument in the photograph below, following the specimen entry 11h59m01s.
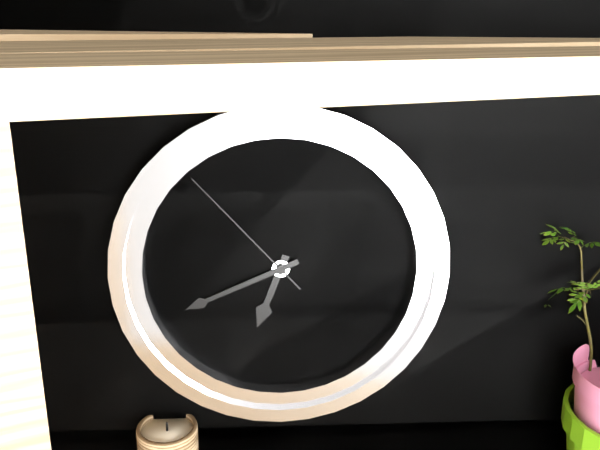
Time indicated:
6h41m53s
